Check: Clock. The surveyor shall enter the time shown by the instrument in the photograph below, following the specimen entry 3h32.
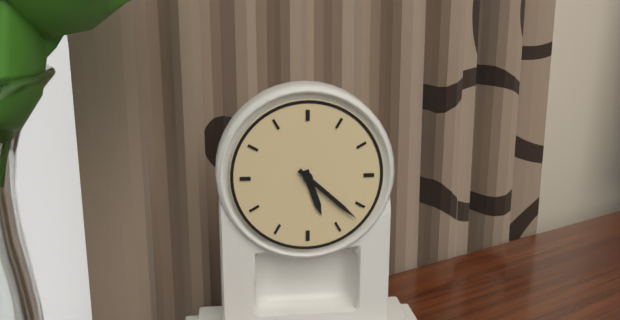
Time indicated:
5h22
